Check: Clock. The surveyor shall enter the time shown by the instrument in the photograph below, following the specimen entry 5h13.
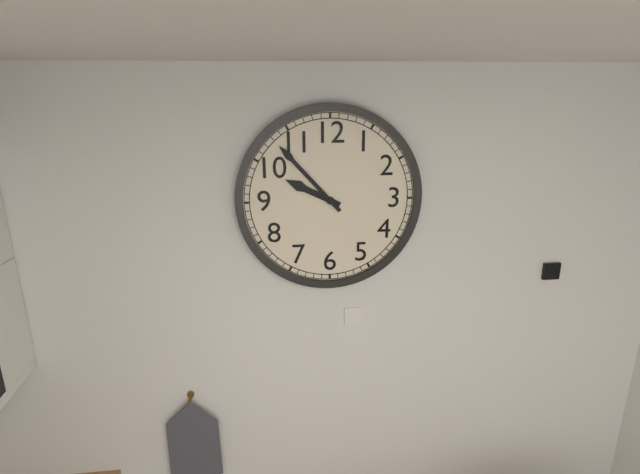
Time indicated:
9h53
